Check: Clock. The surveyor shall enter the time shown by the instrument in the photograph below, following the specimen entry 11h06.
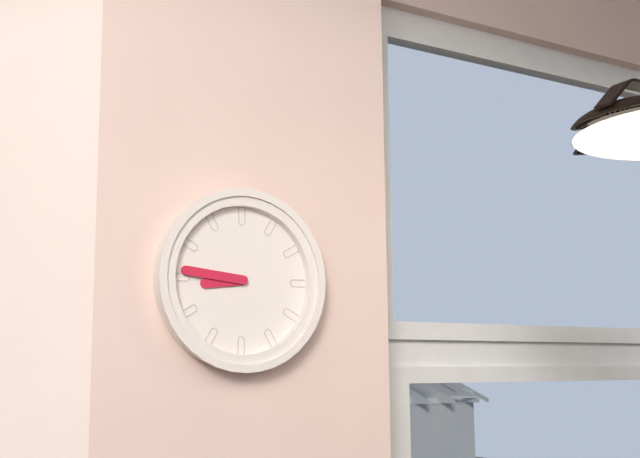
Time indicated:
8h46
